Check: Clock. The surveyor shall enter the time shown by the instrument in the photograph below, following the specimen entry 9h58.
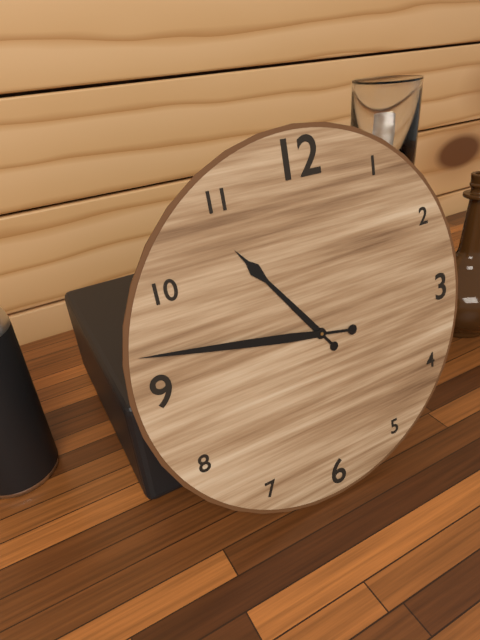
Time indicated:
10h47
